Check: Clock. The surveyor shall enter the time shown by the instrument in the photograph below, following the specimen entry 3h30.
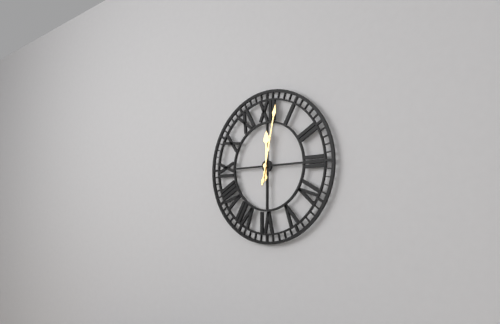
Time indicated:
12h02
